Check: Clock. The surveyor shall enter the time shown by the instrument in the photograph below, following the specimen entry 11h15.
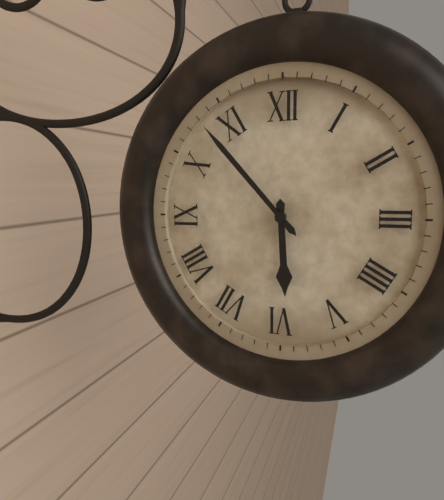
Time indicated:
5h53
